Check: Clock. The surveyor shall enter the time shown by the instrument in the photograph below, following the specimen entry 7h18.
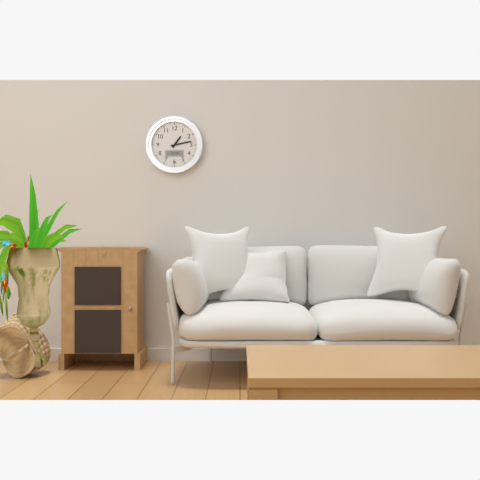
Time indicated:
1h13
